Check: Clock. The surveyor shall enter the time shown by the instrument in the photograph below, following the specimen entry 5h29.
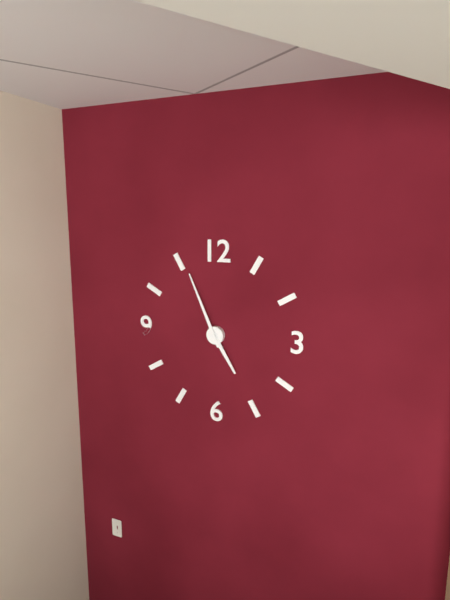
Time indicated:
4h56
